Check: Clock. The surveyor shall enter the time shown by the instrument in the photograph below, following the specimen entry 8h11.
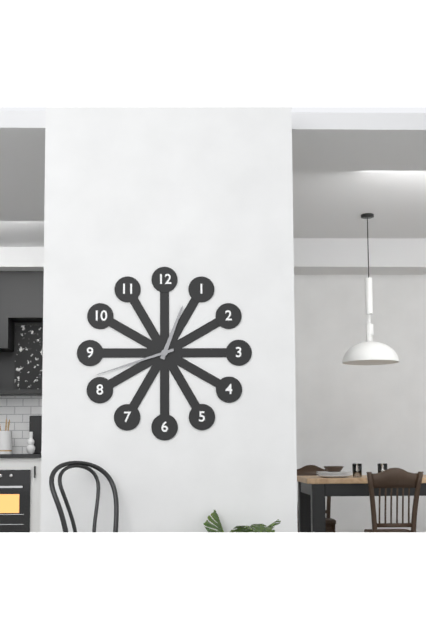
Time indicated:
12h42
